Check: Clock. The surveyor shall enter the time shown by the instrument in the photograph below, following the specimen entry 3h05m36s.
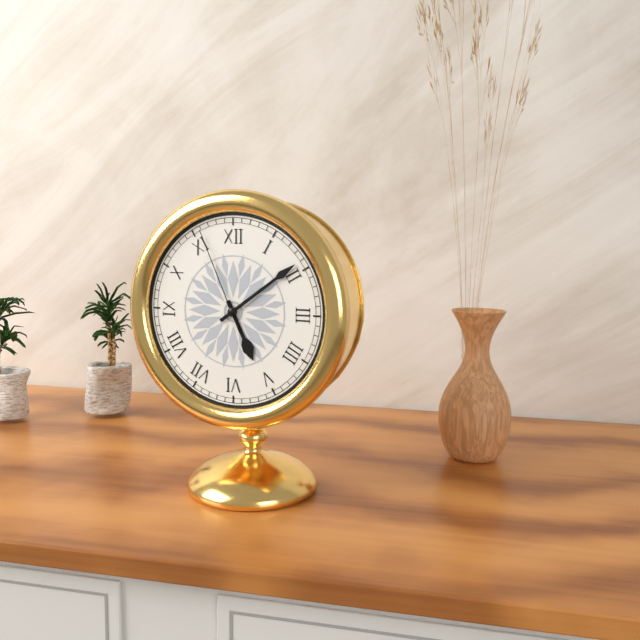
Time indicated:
5h09m56s
